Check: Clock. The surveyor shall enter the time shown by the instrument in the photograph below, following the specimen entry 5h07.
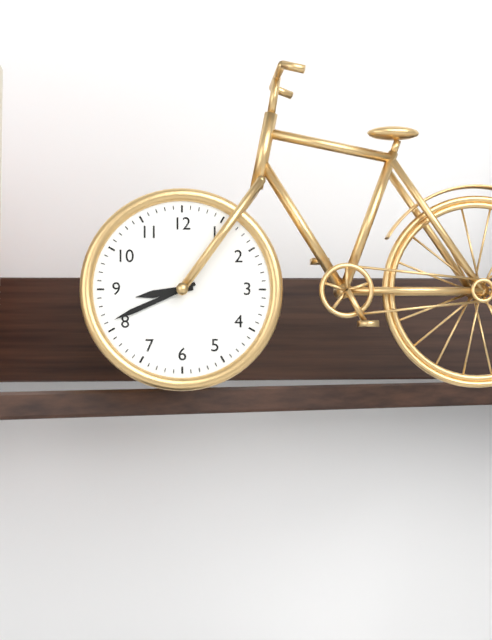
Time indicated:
8h41
